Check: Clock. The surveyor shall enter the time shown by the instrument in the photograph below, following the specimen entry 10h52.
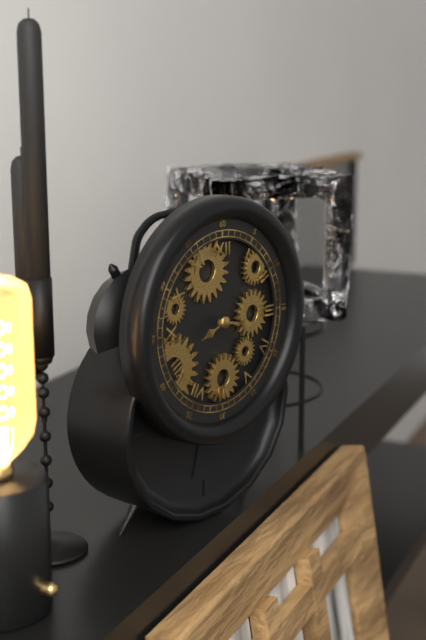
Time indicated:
8h17
